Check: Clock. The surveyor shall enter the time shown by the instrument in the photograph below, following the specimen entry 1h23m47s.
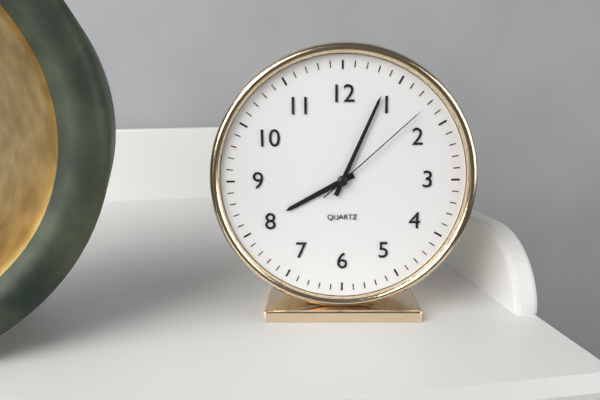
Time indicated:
8h04m08s
